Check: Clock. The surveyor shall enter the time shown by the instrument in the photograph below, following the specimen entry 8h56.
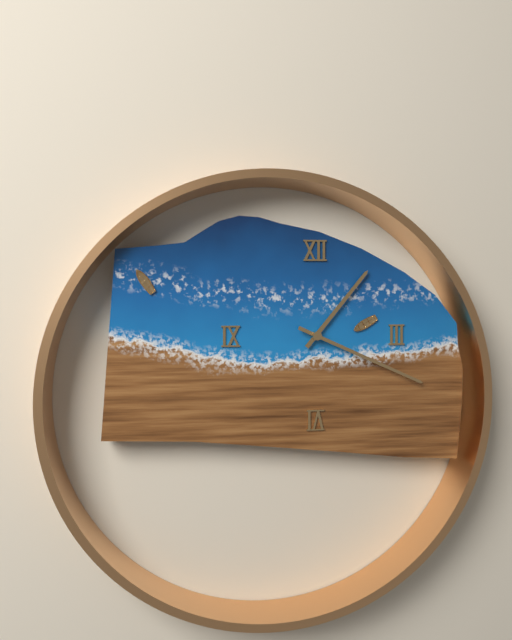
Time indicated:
1h19
